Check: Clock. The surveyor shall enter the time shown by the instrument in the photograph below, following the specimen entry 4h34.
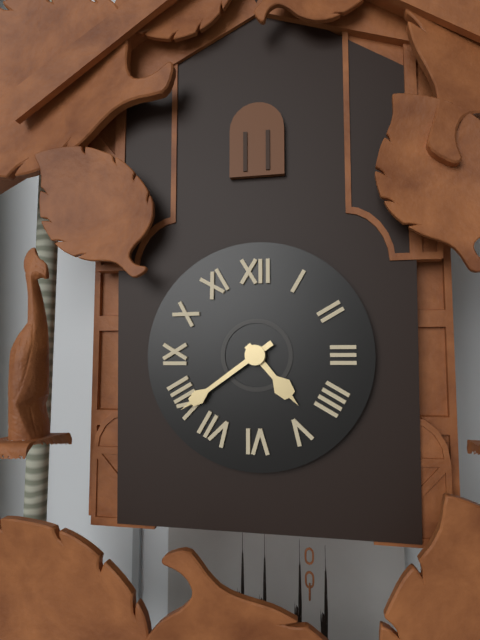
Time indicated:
4h39
